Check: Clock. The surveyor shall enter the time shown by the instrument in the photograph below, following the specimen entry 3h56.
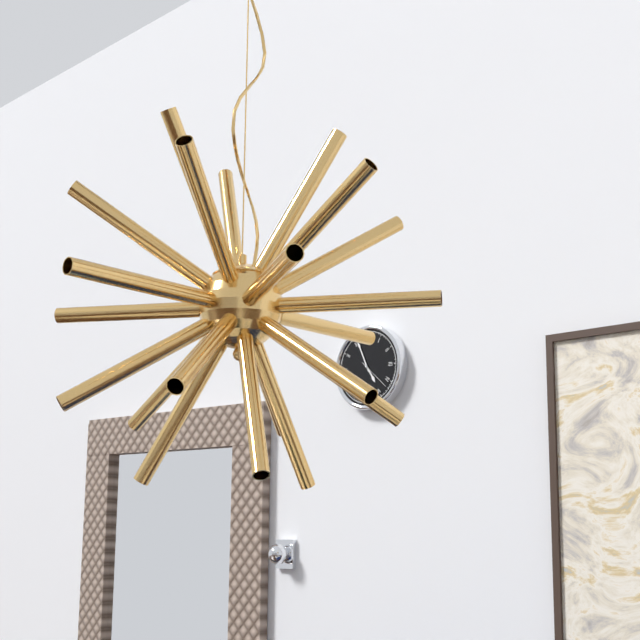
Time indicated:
4h56
